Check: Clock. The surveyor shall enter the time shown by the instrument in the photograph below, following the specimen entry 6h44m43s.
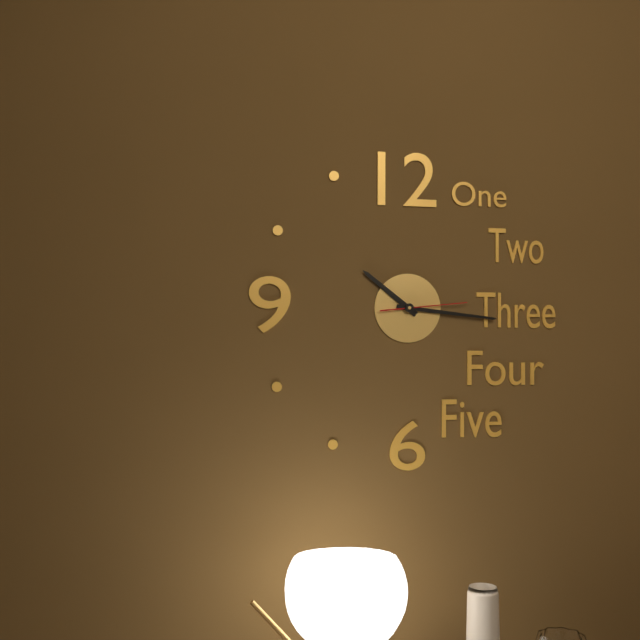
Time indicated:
10h16m14s
